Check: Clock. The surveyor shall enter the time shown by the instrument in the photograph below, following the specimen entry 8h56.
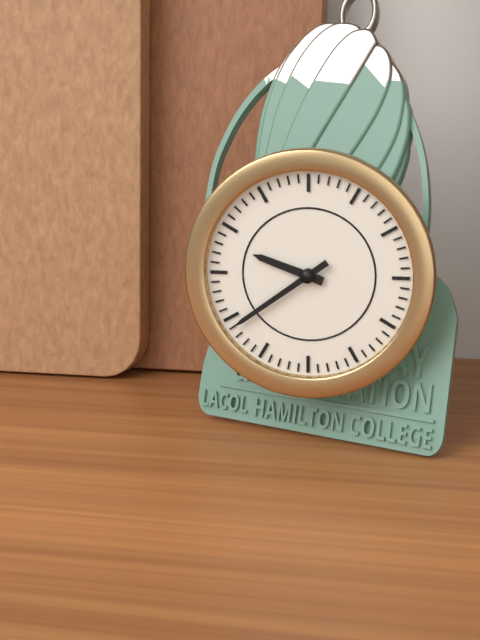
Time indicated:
9h39
